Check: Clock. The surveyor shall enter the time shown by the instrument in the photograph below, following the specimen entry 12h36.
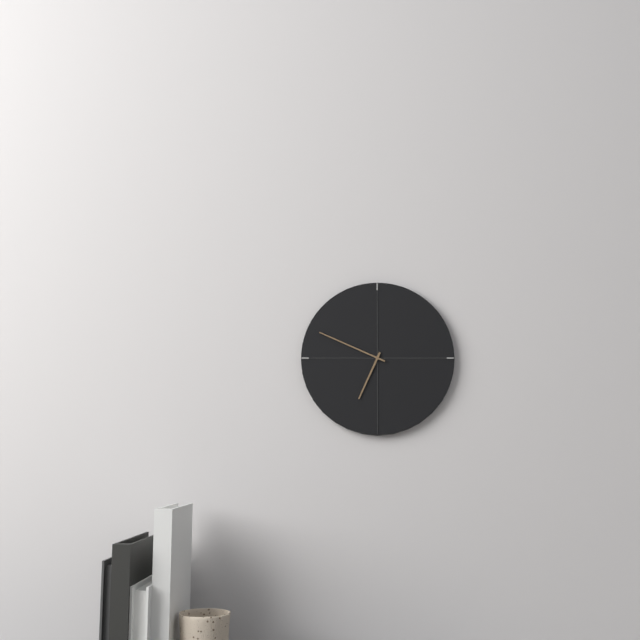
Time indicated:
6h49
